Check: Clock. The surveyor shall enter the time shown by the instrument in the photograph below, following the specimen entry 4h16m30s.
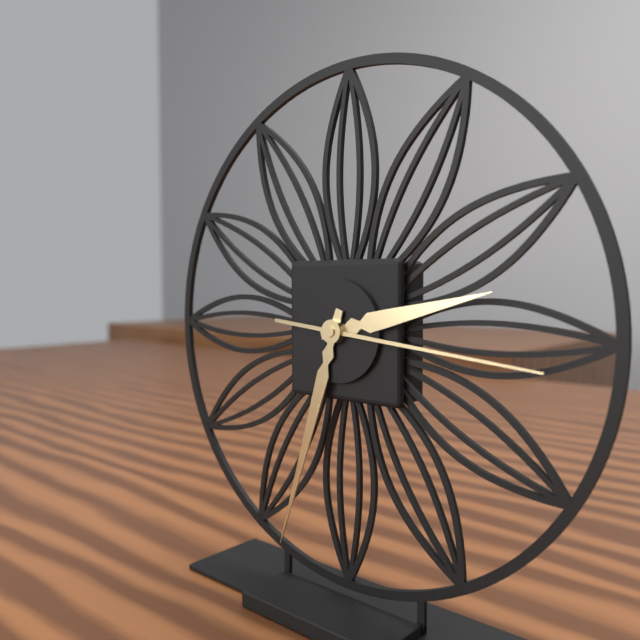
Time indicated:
2h33m16s
